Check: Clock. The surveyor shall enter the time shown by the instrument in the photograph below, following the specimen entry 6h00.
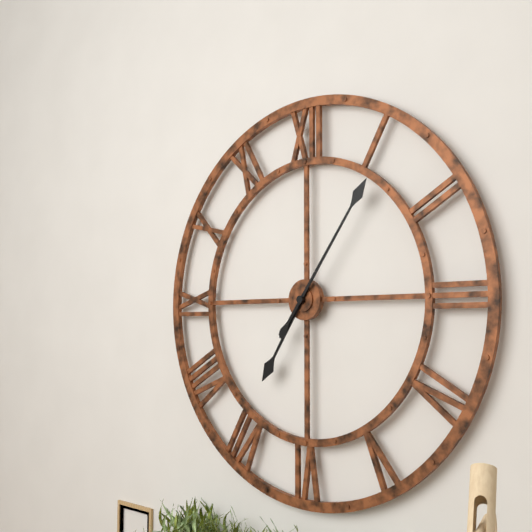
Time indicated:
7h06
